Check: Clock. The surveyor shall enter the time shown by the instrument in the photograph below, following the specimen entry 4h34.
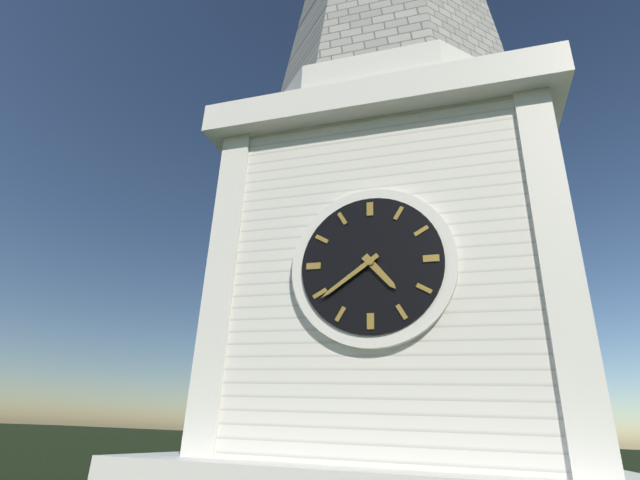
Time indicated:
4h39
